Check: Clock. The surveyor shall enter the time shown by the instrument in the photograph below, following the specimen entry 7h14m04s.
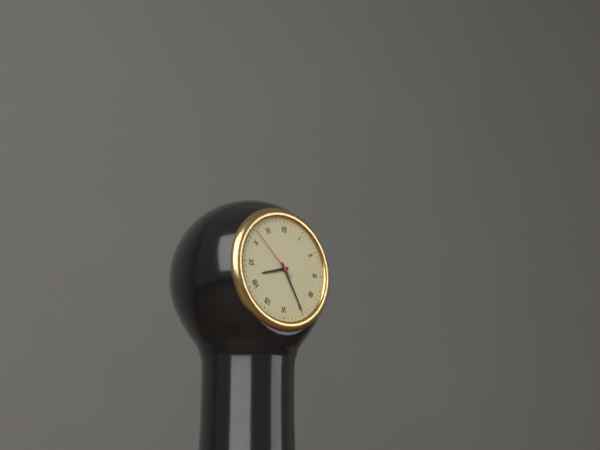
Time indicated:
8h25m52s
